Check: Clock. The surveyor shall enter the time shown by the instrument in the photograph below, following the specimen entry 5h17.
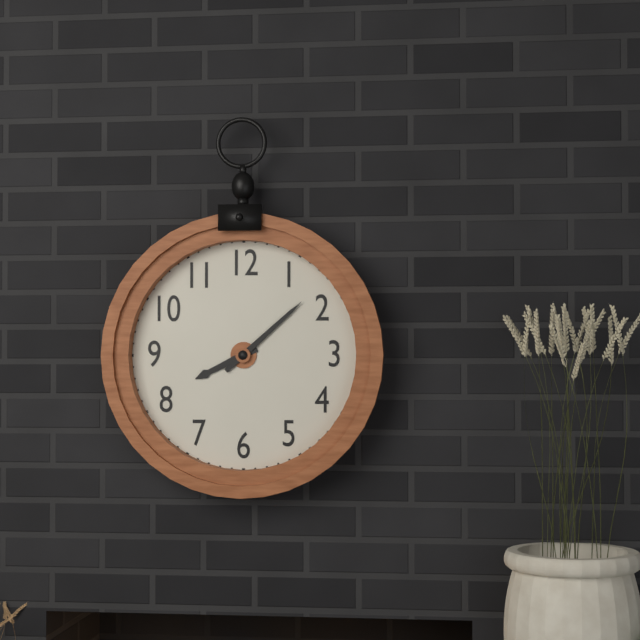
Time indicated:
8h08
